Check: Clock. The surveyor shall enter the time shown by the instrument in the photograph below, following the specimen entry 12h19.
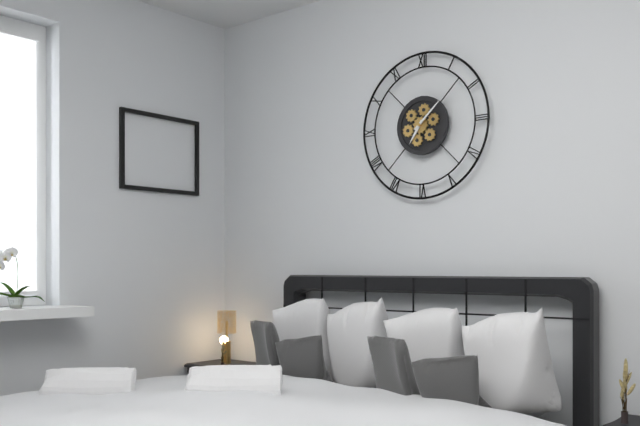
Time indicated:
7h08
